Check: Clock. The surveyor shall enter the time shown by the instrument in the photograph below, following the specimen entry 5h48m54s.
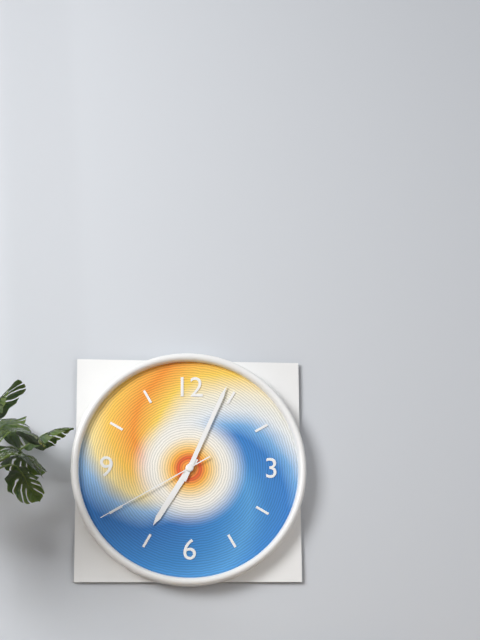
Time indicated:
7h04m40s
